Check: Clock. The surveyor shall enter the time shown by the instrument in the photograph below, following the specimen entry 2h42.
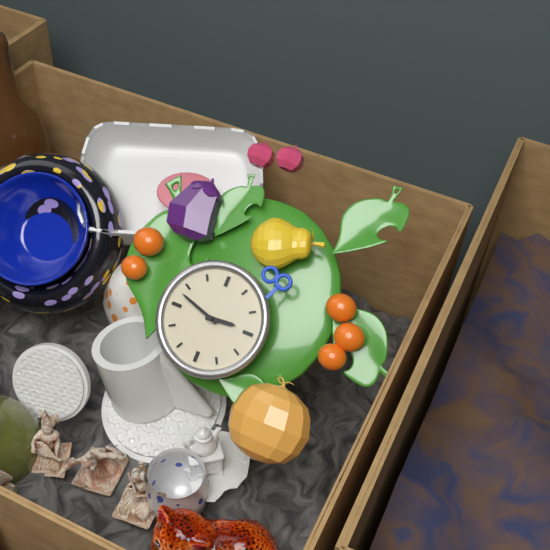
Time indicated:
2h48
